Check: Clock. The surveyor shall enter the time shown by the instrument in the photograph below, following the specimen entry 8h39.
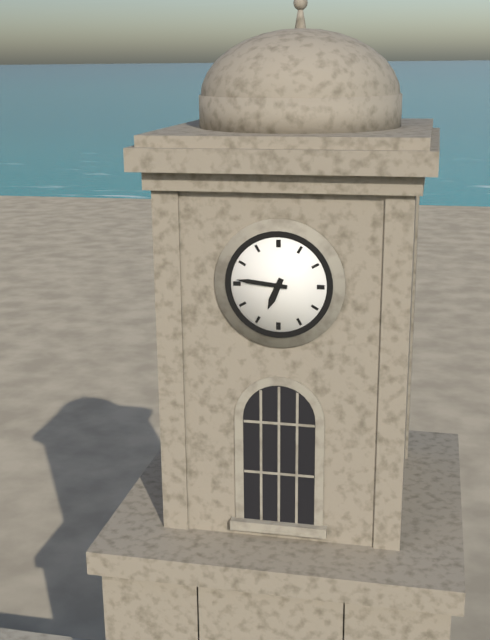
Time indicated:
6h46
